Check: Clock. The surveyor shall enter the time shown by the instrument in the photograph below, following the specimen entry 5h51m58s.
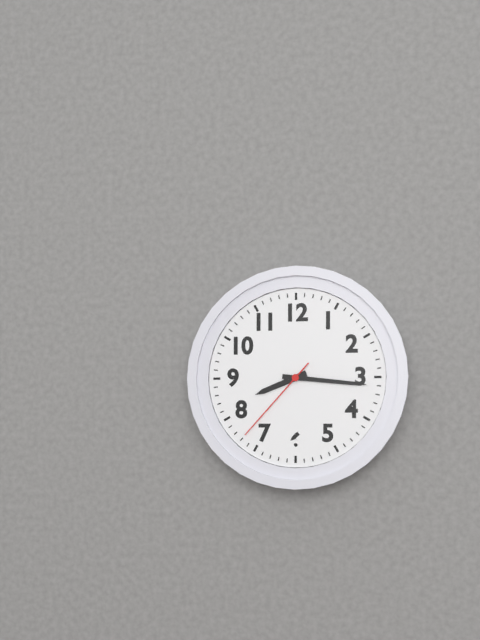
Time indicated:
8h16m37s
